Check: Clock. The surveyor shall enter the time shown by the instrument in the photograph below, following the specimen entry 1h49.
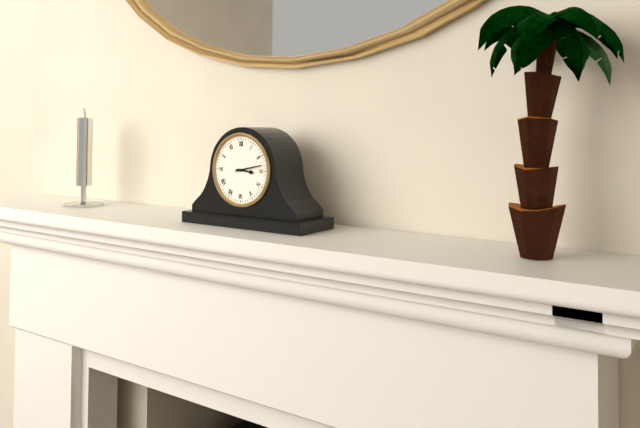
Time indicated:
3h13
